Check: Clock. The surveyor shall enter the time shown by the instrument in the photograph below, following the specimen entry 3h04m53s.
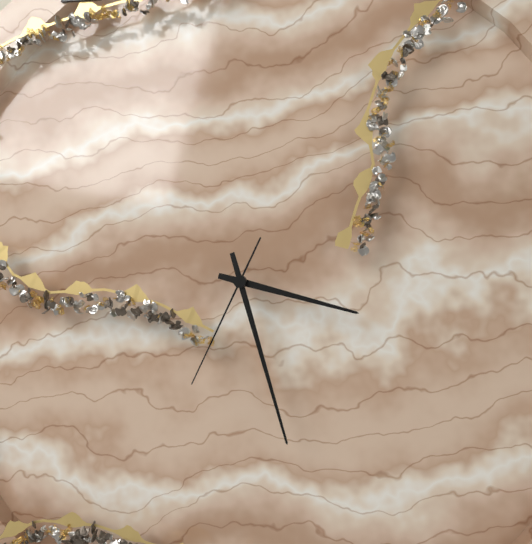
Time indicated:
3h27m34s
